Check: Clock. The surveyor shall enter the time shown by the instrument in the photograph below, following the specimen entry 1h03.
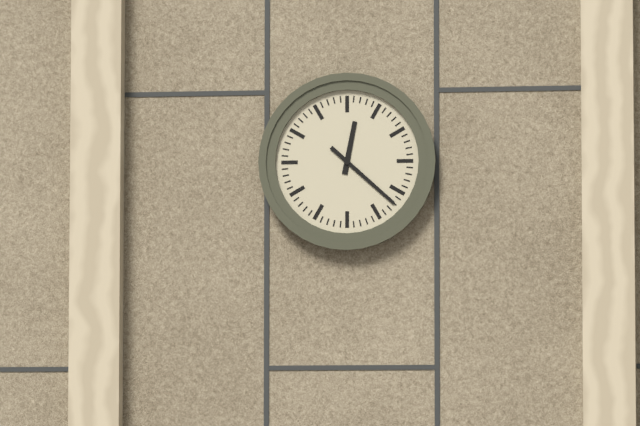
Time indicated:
12h22
